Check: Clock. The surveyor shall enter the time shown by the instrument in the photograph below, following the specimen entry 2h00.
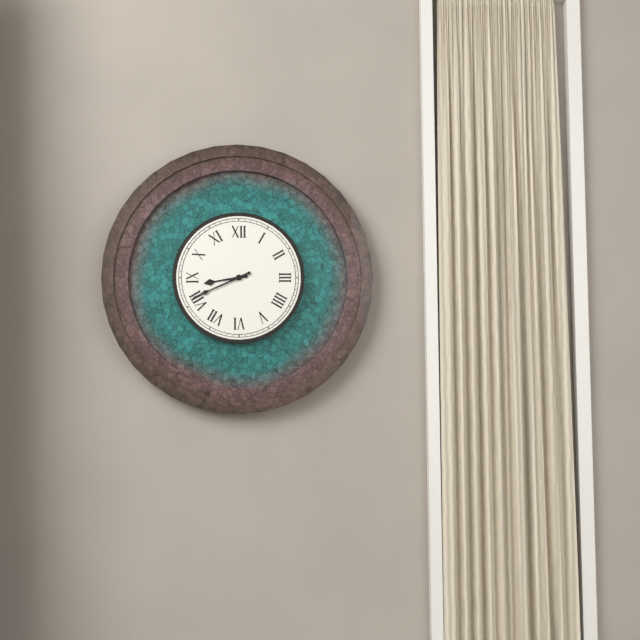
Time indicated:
8h41
